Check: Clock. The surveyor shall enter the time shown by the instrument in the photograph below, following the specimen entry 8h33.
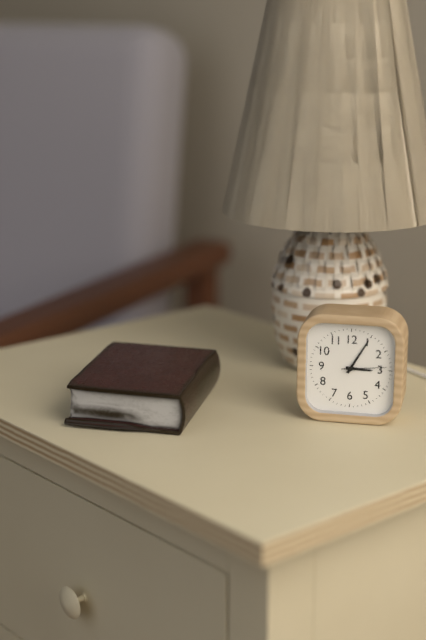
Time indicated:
3h05
